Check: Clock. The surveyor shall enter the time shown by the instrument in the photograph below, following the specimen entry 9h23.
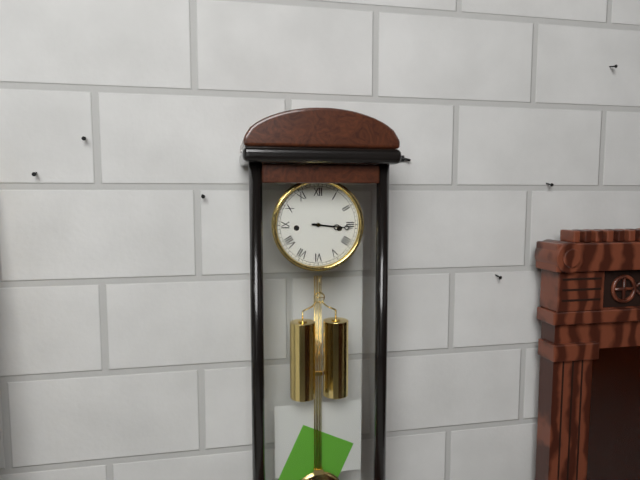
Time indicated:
3h16
